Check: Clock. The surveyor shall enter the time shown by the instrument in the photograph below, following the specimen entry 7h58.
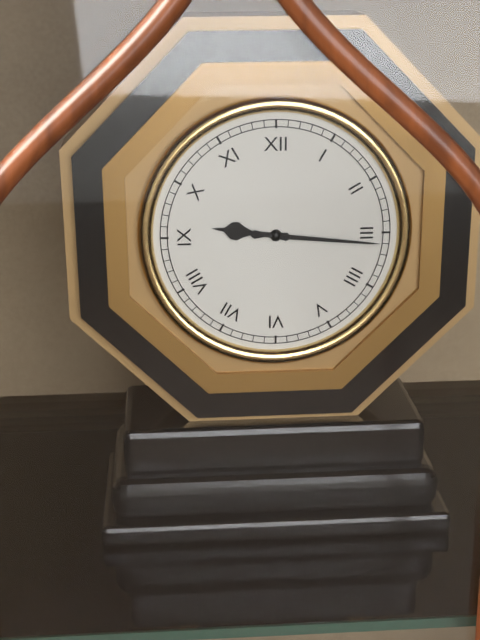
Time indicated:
9h16
